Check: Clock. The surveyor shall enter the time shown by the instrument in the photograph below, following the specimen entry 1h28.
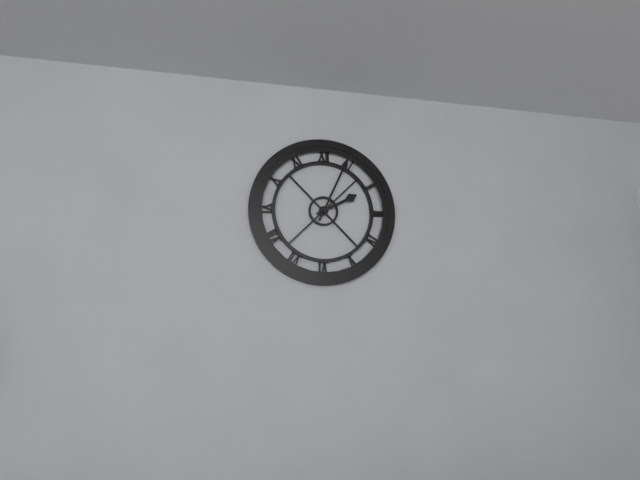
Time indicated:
2h04
